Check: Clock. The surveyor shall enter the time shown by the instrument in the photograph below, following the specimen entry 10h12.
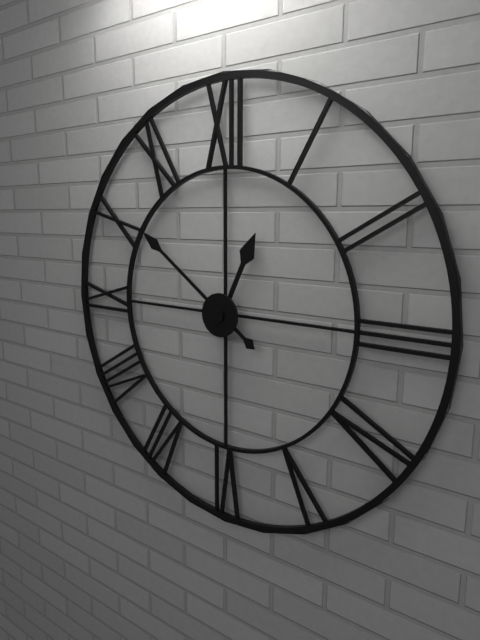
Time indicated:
12h51
